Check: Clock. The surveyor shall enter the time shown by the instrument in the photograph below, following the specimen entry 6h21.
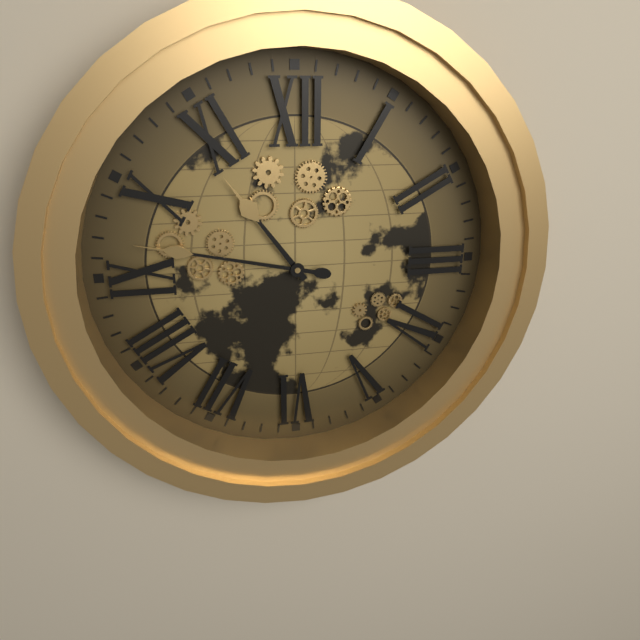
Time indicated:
10h47
